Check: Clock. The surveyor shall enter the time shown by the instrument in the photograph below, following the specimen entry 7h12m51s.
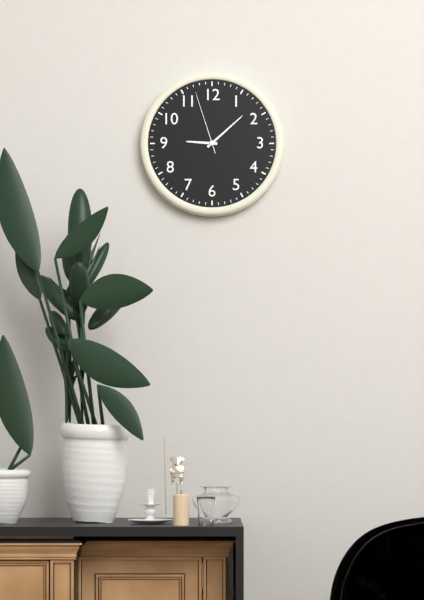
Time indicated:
9h08m57s
